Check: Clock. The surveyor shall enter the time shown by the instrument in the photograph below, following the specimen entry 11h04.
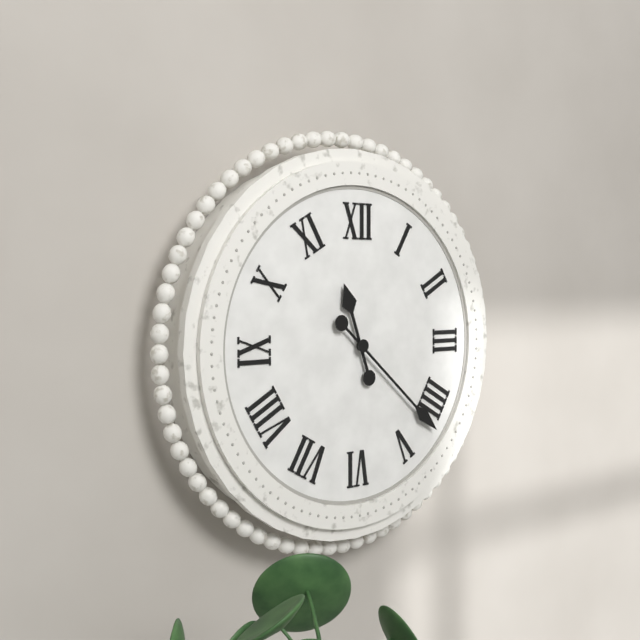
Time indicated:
11h22
